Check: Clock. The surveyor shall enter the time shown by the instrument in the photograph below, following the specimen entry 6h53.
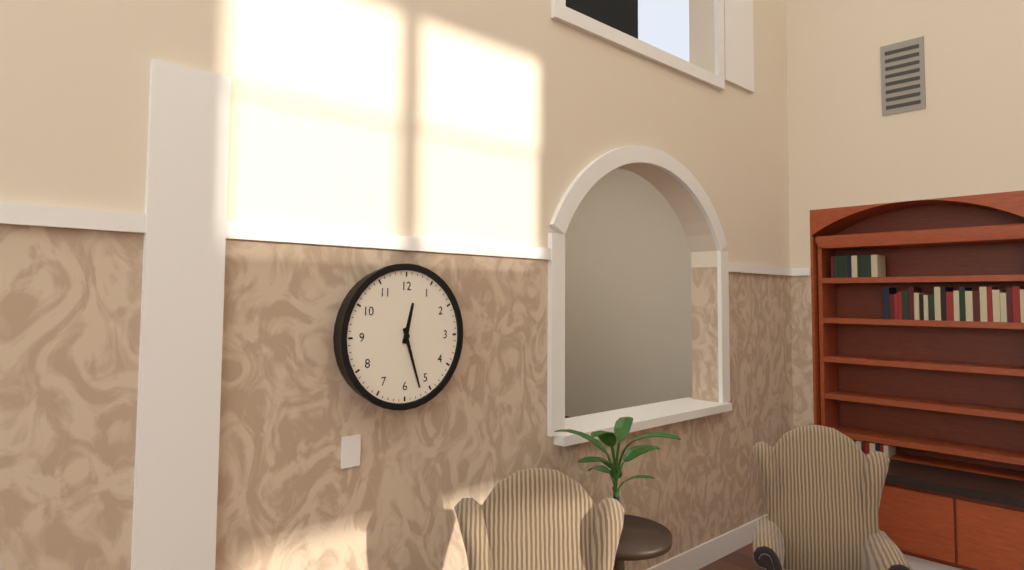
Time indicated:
12h27
